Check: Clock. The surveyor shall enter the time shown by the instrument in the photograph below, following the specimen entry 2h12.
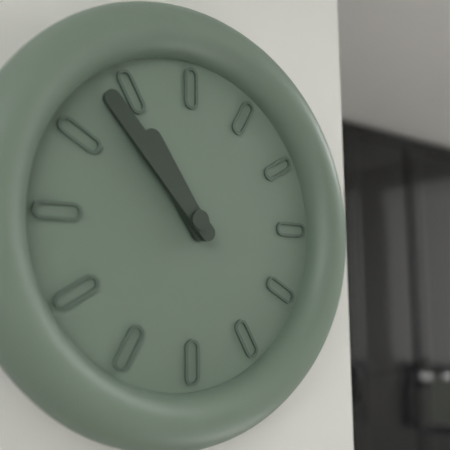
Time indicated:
10h53
